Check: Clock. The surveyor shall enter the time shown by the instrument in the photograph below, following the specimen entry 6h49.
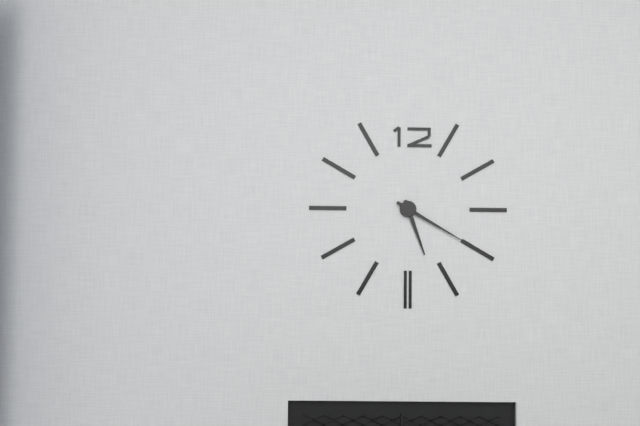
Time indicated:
5h20
